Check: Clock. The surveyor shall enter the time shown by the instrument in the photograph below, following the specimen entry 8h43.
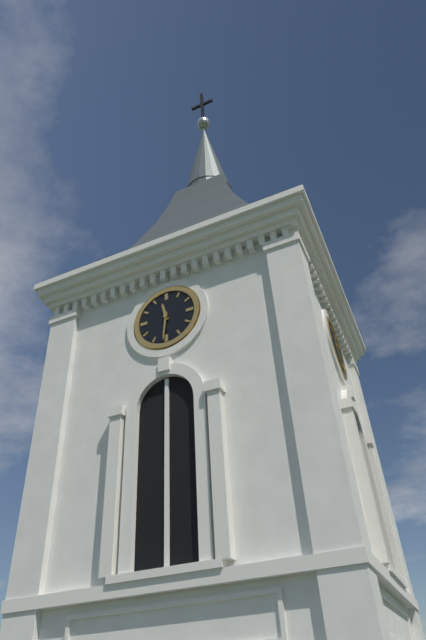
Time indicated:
11h31
